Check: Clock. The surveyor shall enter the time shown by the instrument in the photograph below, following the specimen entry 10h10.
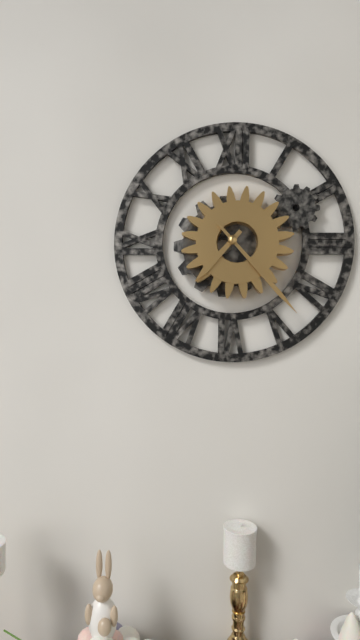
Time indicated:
7h23
